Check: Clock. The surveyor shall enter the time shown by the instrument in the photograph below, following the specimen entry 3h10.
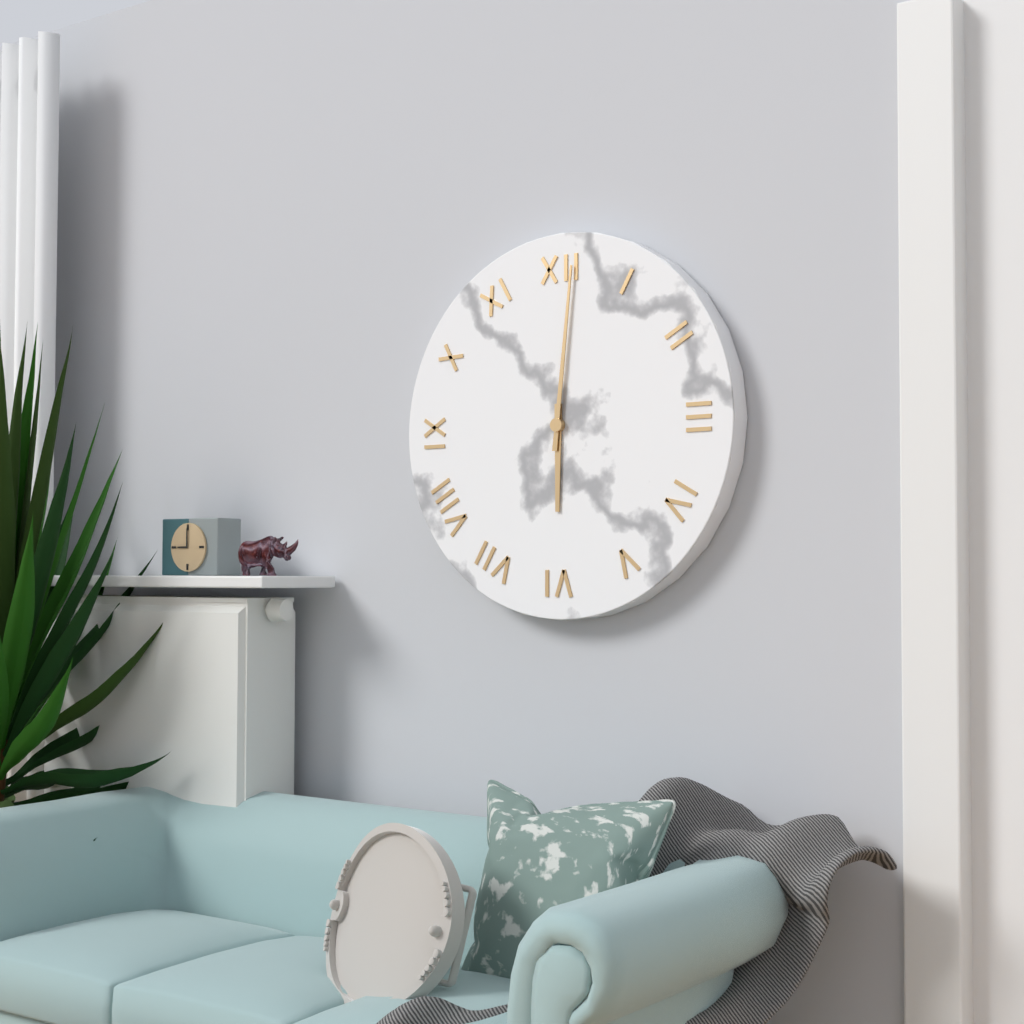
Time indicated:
6h01
